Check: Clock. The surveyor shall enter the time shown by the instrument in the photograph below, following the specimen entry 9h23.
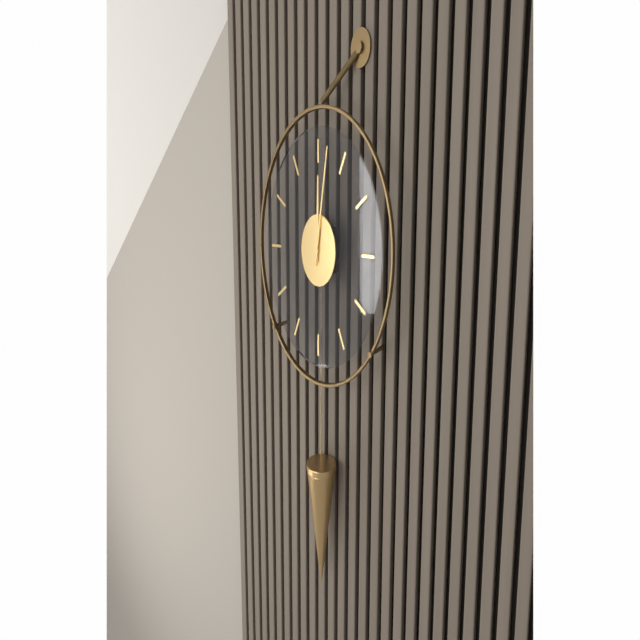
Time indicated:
12h02
